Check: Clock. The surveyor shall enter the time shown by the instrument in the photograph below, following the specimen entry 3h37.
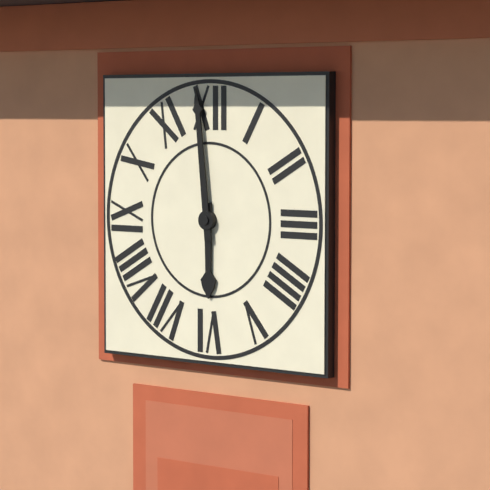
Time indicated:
5h59
